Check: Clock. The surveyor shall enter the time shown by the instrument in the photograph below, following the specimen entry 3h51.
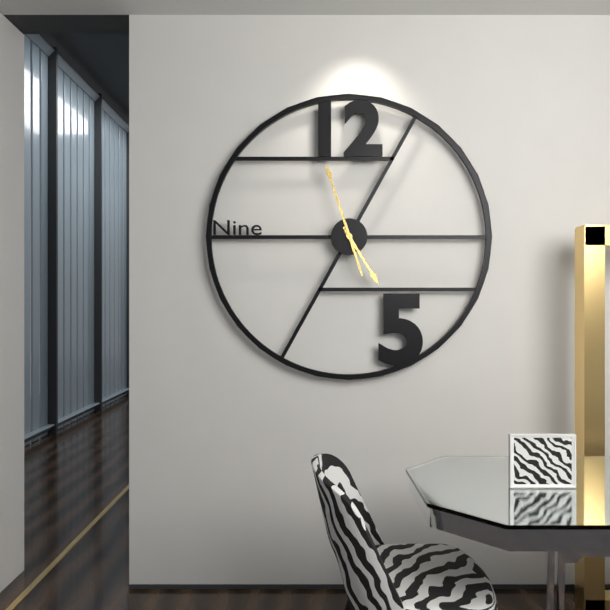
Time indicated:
4h57
